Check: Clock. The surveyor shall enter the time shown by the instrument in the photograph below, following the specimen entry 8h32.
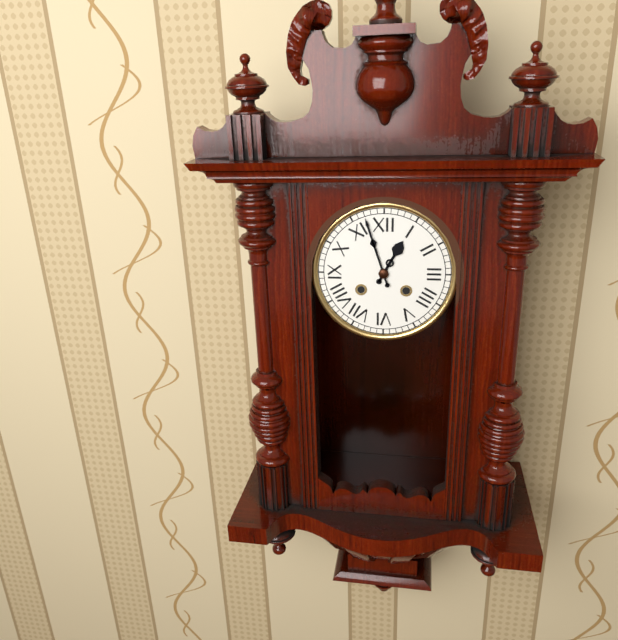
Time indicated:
12h57
